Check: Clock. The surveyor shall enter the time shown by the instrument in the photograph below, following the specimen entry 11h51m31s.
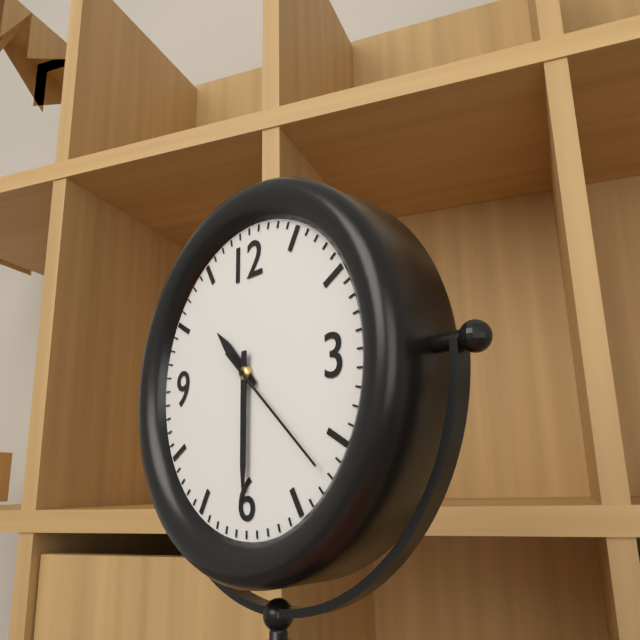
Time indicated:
10h30m22s
